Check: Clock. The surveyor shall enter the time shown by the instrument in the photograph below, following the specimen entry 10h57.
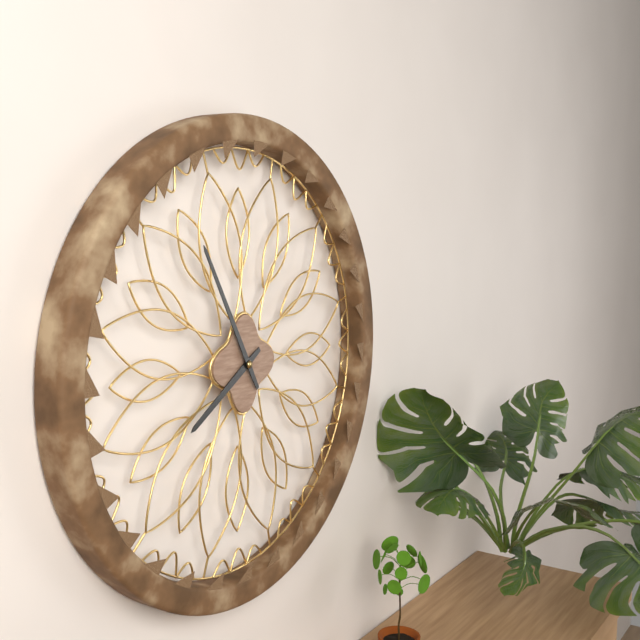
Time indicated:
7h55
